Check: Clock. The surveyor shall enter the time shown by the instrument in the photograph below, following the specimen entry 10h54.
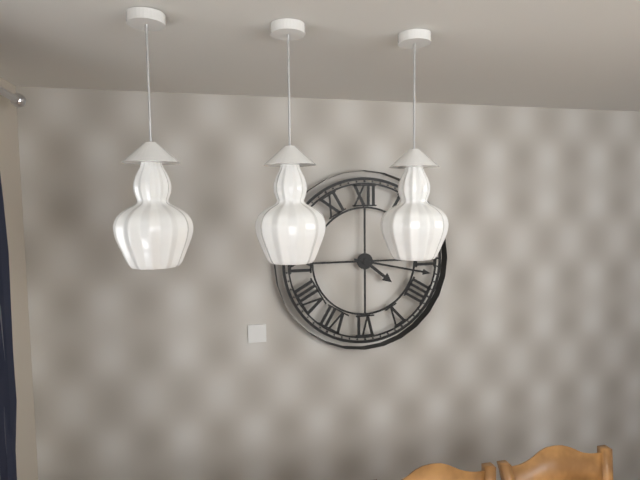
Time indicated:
4h17
